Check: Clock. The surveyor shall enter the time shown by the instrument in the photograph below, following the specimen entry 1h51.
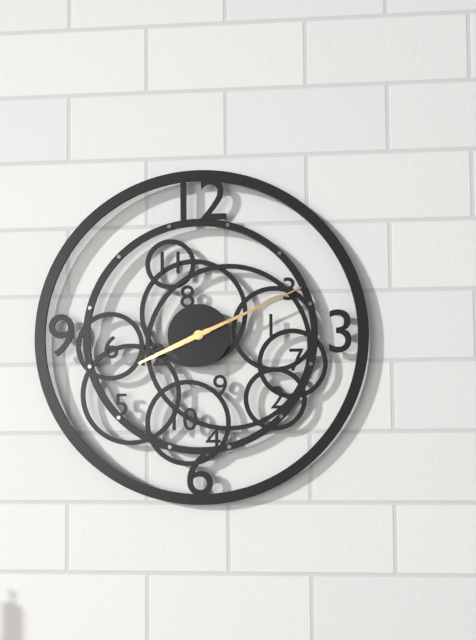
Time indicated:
8h11
